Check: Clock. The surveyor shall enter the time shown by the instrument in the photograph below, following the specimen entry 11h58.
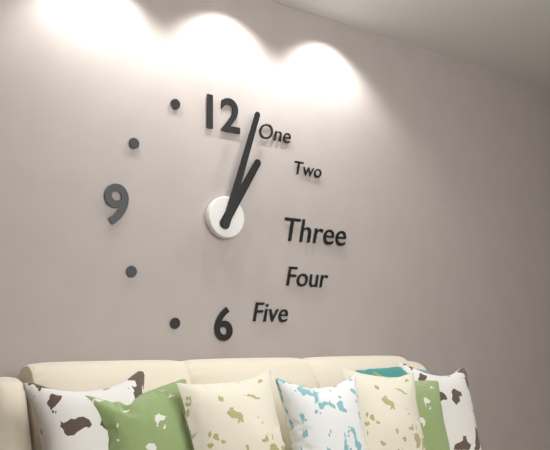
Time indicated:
1h03
